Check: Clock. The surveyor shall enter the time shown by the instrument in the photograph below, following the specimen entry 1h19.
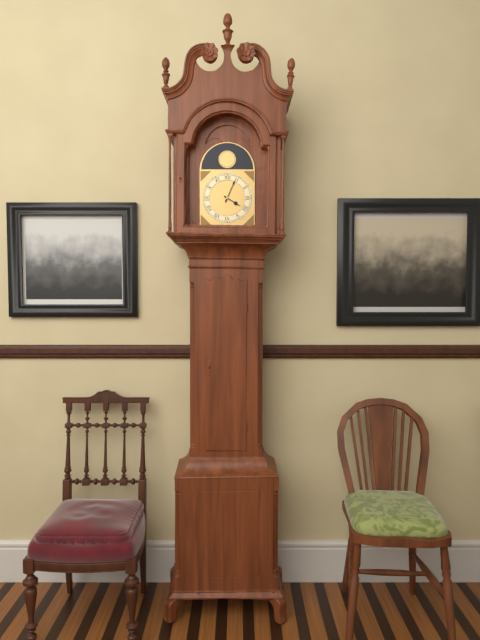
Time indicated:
4h04
